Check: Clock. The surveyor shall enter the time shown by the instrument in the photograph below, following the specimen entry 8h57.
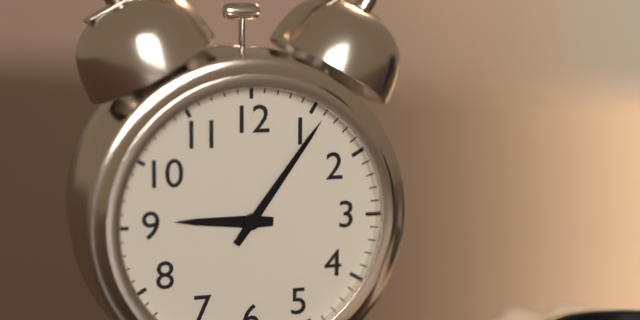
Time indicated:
9h06
